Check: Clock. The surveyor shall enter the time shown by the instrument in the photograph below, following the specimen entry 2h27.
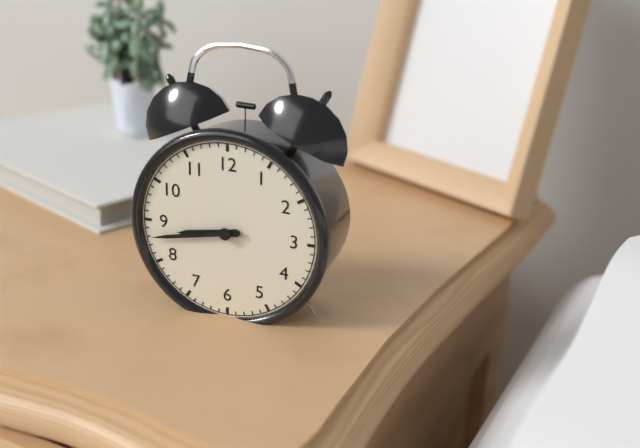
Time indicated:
8h43
